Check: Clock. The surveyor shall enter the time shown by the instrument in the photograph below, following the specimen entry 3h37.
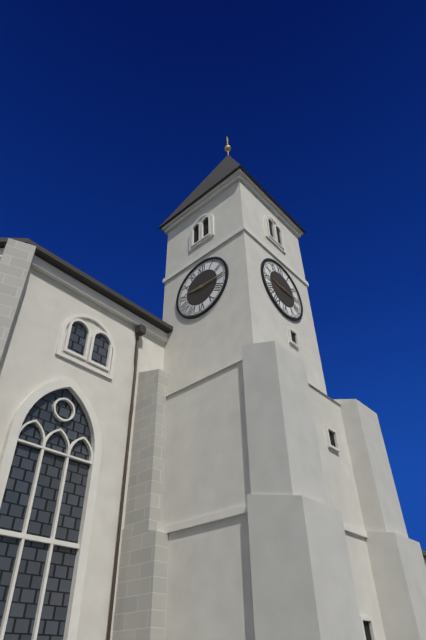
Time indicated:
9h15
